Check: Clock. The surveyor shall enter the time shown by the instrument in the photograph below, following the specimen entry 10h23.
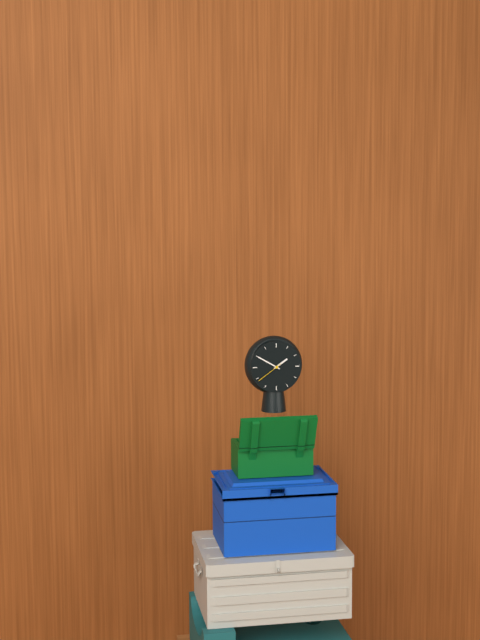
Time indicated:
1h50
